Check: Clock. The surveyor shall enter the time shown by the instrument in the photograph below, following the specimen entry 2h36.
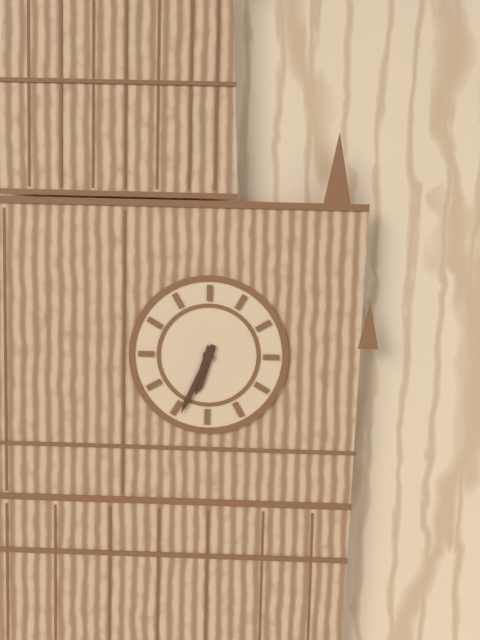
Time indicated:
6h34
